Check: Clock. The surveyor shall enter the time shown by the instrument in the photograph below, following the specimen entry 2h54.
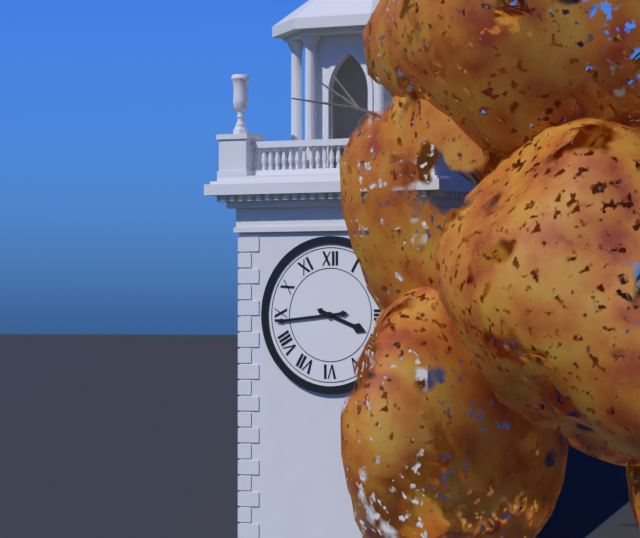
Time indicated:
3h44
